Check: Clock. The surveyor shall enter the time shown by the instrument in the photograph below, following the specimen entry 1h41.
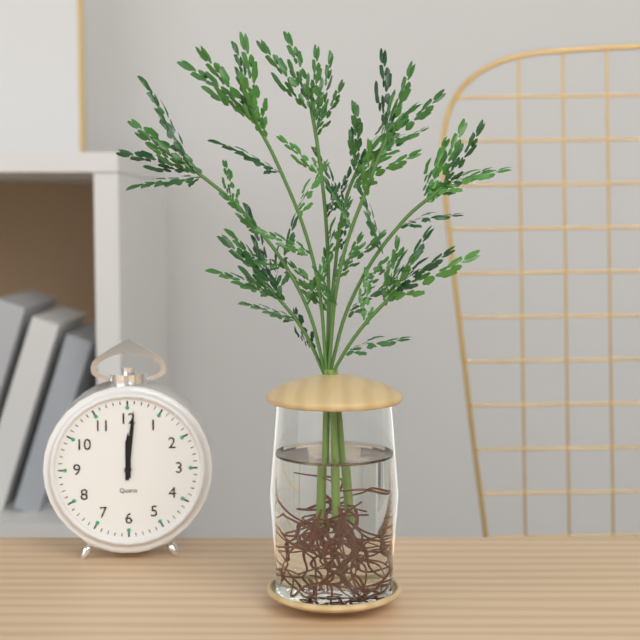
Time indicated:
12h01
